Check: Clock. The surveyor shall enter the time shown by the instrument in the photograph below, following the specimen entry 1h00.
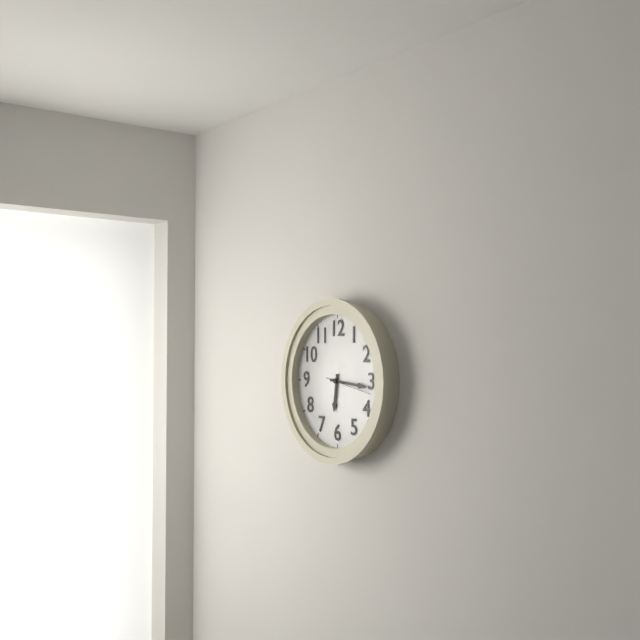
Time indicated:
6h16
